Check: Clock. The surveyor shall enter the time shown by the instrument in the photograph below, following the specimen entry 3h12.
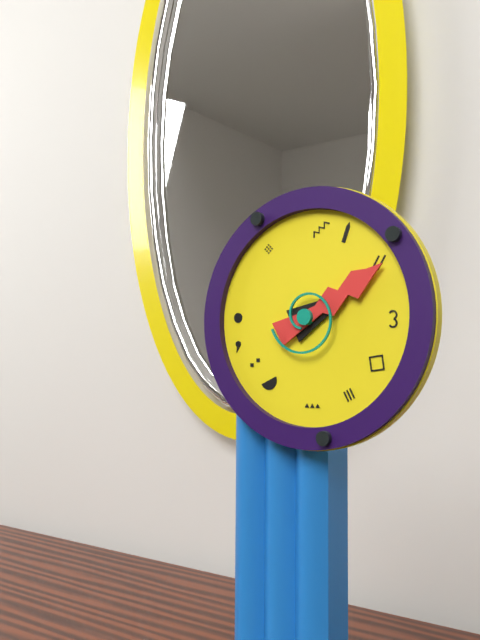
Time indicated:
2h10
